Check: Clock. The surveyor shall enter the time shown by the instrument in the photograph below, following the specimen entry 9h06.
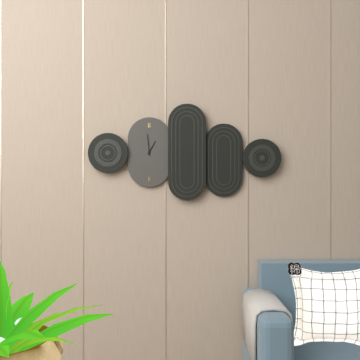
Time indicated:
12h59
